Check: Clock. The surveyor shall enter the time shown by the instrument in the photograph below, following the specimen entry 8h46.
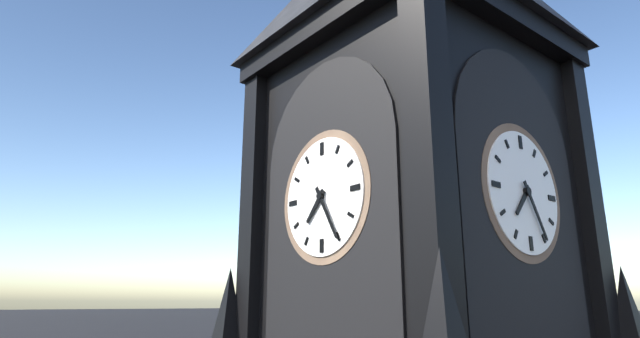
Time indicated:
7h25
